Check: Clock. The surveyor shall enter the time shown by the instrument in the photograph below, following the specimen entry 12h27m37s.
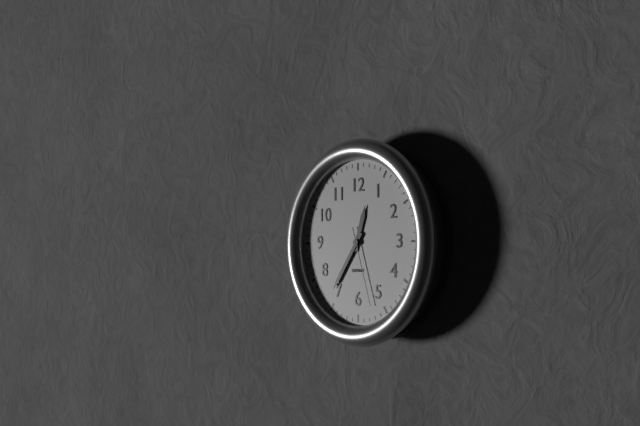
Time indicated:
12h36m27s
